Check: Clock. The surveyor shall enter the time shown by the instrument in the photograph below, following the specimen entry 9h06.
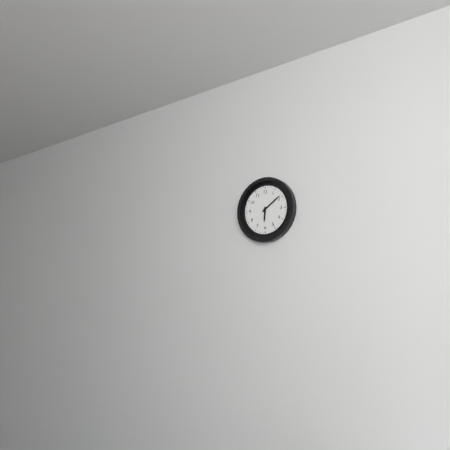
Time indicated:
6h09
